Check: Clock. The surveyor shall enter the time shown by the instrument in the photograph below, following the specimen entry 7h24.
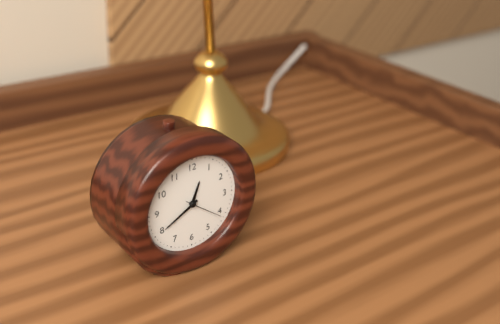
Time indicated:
12h40
